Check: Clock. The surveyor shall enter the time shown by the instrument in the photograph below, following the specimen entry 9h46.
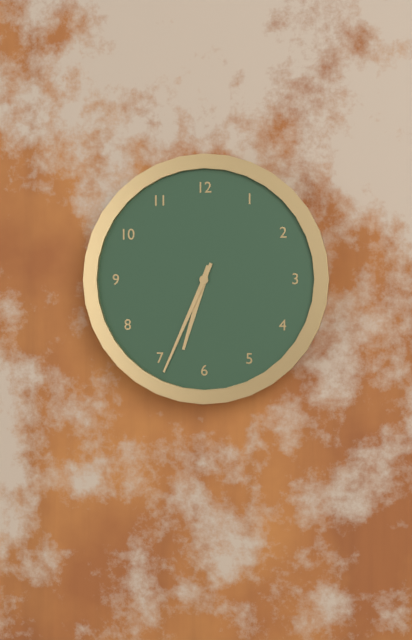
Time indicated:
6h34
